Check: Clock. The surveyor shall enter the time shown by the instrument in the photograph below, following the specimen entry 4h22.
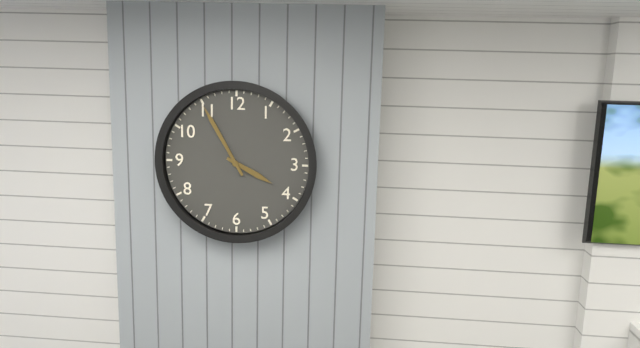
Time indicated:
3h55
